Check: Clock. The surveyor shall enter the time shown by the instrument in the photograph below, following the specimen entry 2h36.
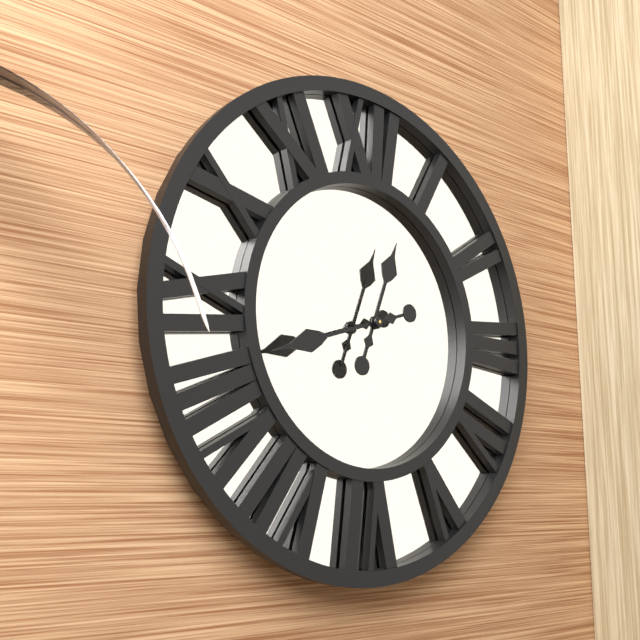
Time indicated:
12h42
